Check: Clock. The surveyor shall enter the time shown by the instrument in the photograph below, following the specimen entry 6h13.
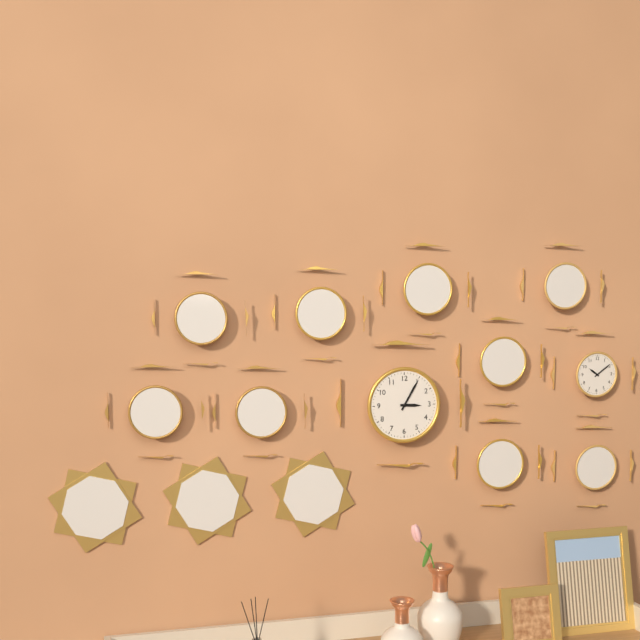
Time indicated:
3h05
